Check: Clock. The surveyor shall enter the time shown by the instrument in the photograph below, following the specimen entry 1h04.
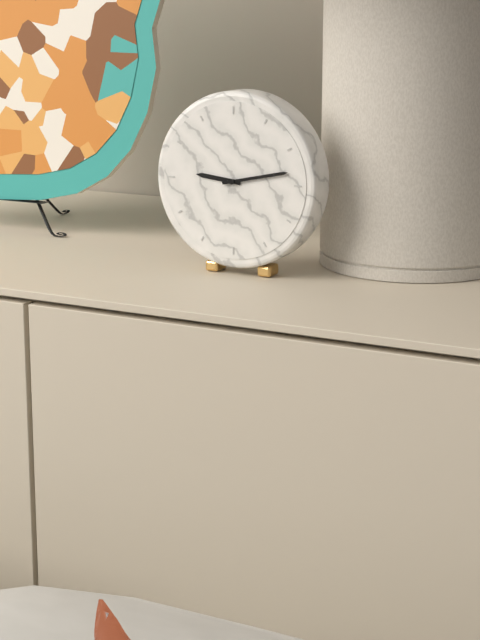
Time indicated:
9h13
